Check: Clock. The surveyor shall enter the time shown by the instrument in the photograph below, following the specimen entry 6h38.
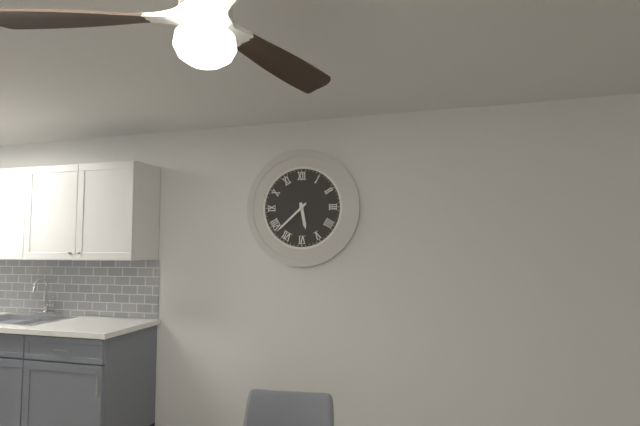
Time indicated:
5h38
